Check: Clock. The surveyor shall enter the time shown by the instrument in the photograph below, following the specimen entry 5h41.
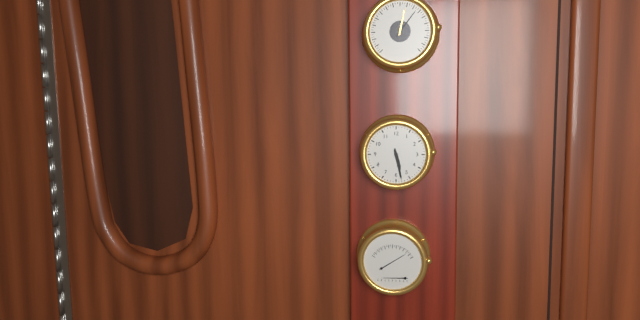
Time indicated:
5h28
